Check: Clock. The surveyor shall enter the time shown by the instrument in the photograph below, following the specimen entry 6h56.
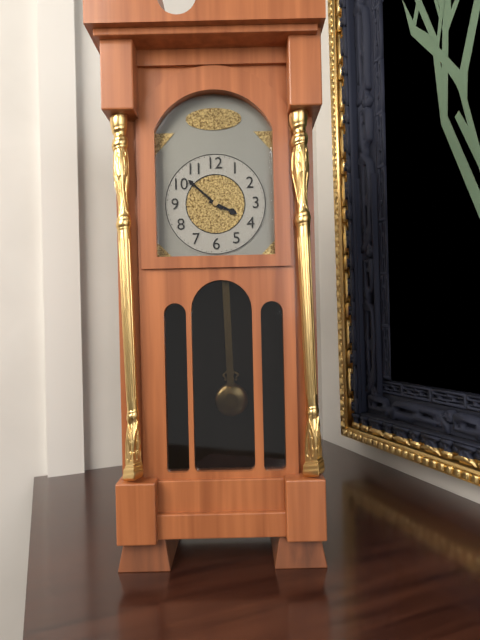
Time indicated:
3h52
